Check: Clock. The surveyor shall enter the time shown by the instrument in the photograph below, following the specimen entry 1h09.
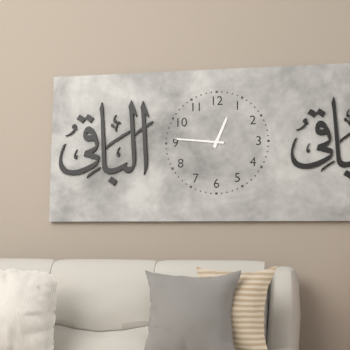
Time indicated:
12h46
